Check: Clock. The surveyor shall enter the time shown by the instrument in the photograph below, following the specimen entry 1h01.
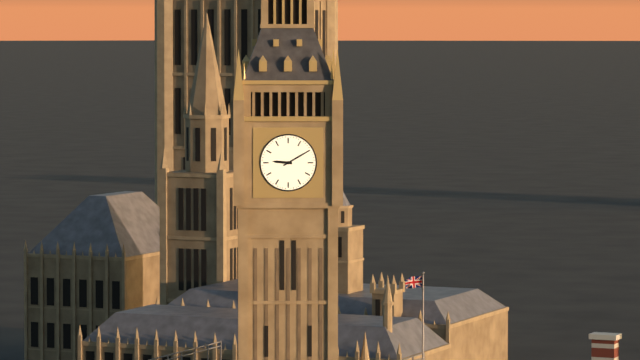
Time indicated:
9h10
